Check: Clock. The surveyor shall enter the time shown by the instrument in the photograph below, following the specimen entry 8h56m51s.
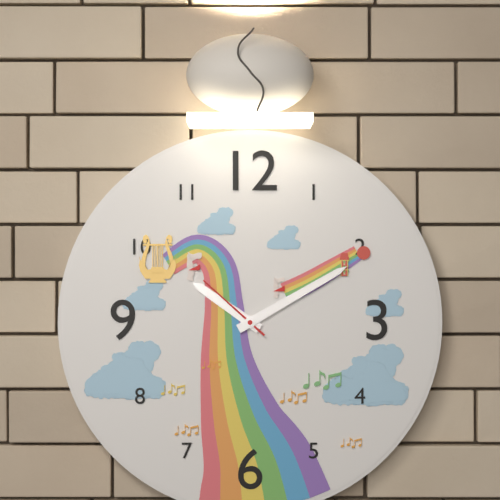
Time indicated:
10h10m52s
